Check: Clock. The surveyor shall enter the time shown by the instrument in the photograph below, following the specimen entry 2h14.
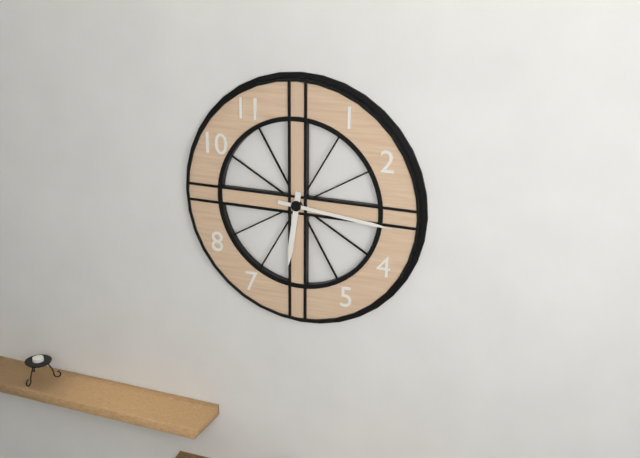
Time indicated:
6h16
